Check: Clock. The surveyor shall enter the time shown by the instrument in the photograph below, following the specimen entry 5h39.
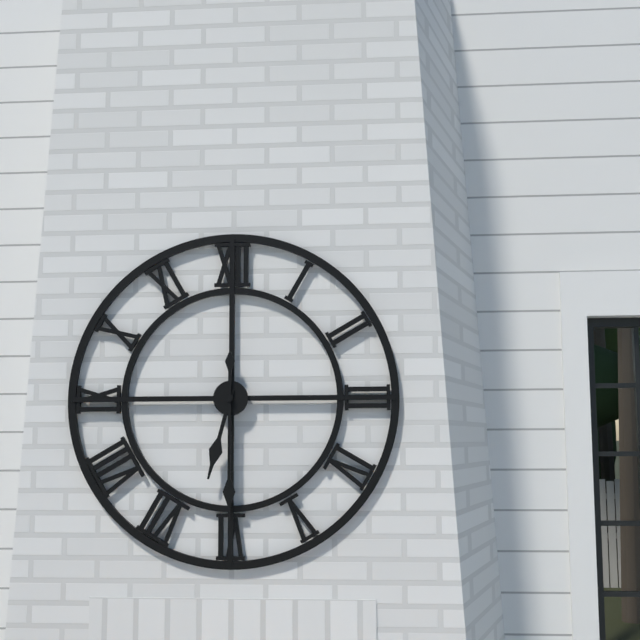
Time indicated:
6h30
